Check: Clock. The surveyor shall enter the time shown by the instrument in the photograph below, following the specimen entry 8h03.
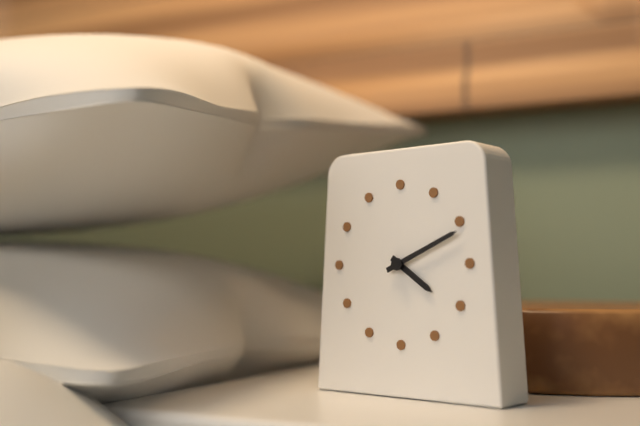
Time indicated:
4h11
